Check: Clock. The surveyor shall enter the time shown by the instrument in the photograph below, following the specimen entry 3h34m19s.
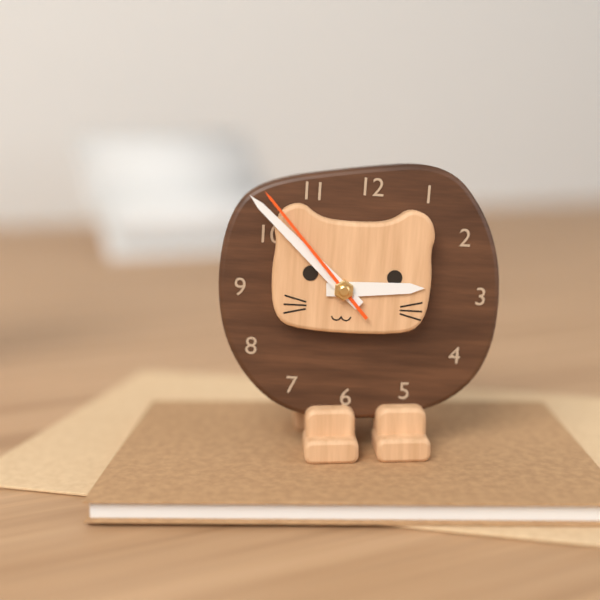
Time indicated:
2h52m53s
